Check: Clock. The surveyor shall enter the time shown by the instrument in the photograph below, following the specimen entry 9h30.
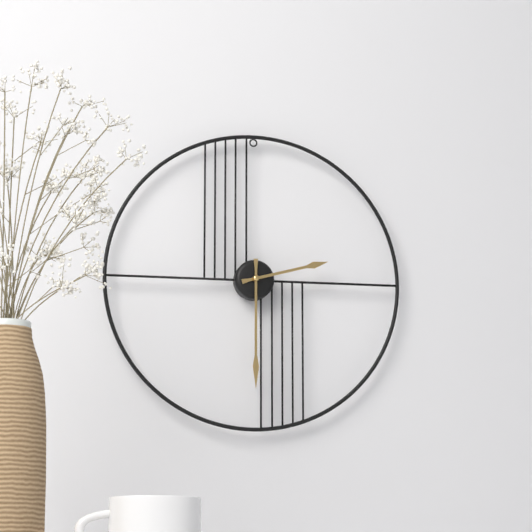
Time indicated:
2h30
